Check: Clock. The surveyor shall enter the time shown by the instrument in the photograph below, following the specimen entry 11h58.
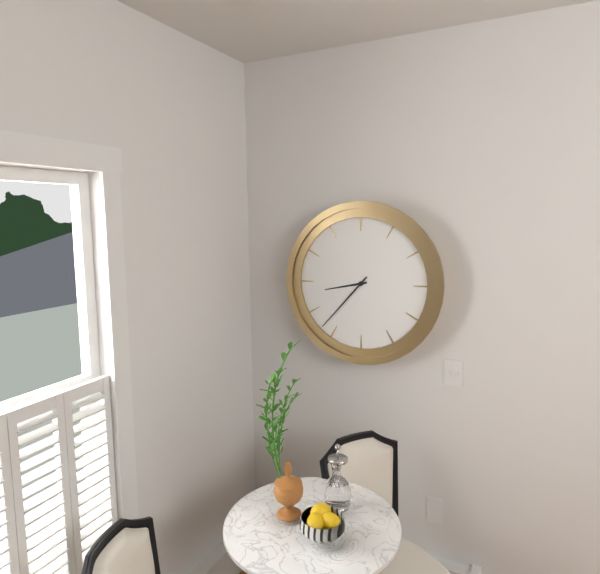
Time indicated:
8h37
